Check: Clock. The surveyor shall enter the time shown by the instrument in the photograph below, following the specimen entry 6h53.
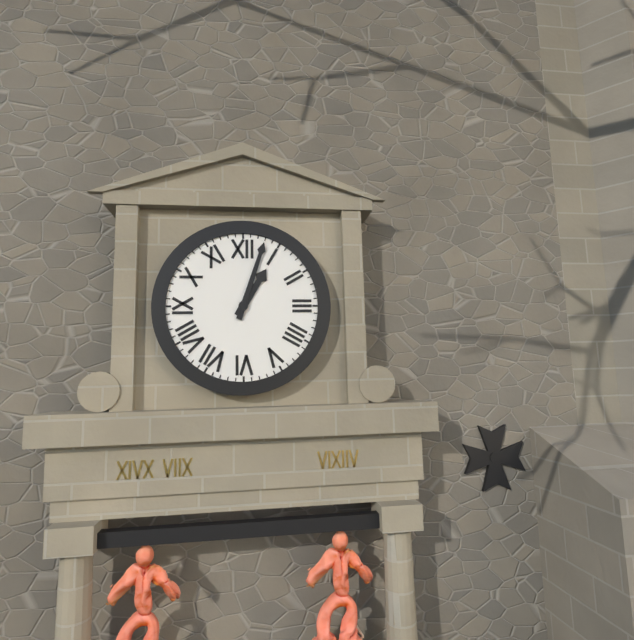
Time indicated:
1h03
